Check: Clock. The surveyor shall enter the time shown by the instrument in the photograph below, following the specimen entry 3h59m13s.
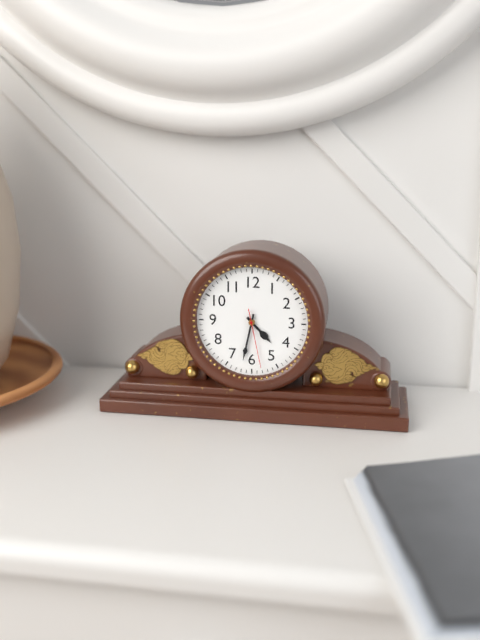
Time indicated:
4h32m28s
